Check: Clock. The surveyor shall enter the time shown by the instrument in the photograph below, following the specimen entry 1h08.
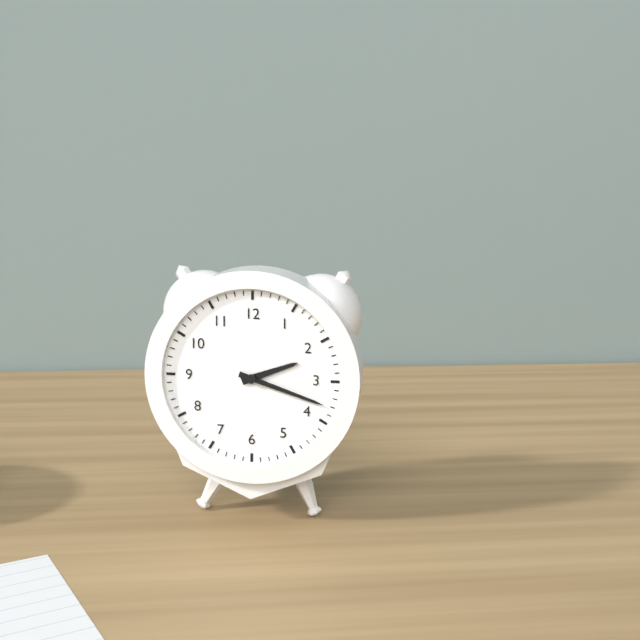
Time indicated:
2h18
